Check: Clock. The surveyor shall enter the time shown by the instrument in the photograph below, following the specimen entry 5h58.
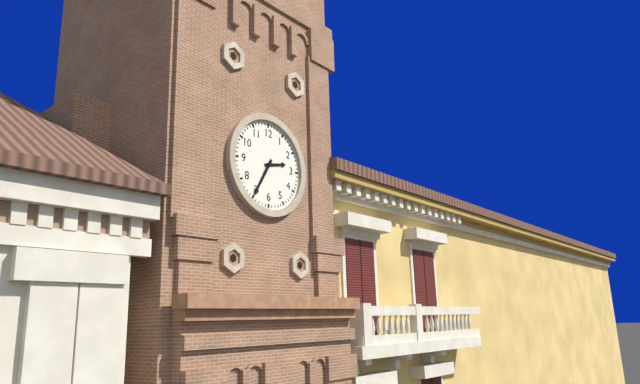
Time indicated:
2h35
